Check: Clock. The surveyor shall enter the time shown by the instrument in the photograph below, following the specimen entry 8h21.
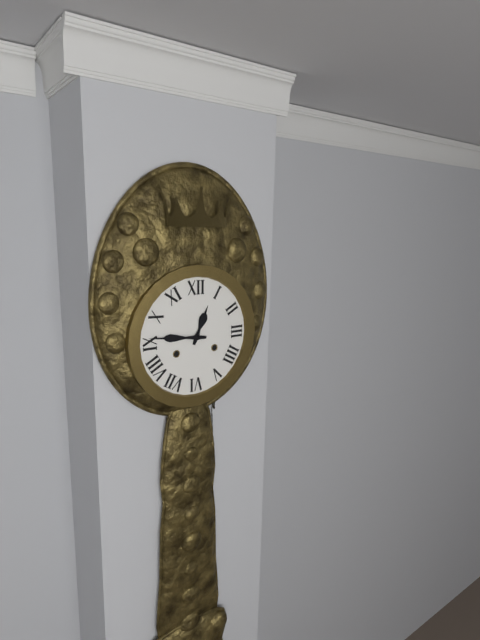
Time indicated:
12h46
